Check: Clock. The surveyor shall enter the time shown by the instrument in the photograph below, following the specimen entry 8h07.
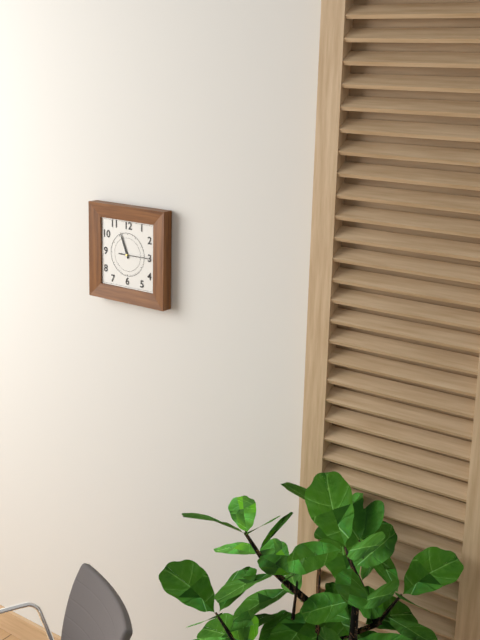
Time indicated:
11h15
